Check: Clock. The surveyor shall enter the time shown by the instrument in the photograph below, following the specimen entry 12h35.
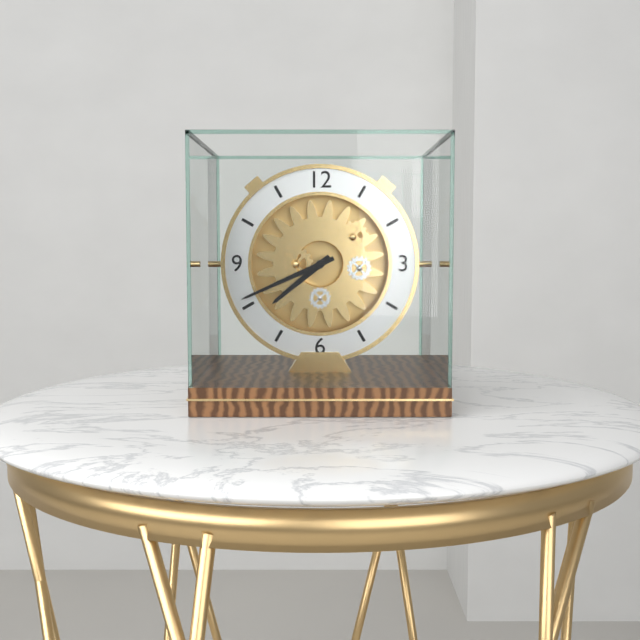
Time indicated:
7h41
